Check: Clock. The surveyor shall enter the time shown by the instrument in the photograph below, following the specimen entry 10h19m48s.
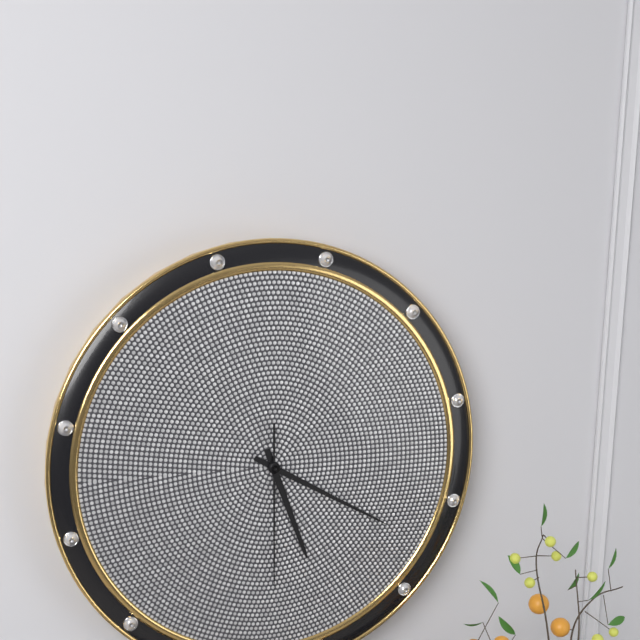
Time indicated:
5h20m30s
